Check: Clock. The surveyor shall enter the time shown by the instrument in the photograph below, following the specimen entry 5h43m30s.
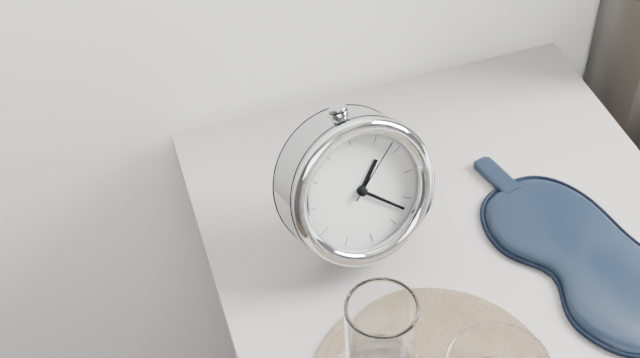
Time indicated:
1h22m08s
